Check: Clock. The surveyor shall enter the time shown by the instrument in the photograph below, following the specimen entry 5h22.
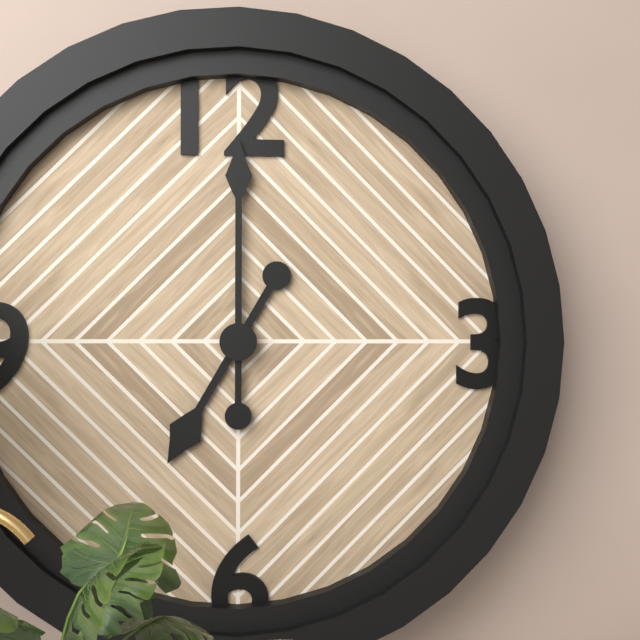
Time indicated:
7h00
